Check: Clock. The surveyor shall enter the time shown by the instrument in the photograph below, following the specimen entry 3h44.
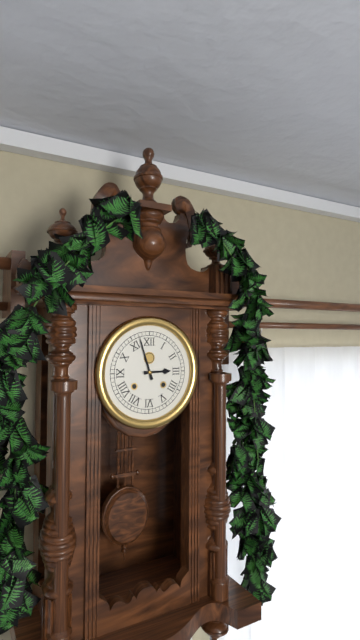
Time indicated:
2h57
